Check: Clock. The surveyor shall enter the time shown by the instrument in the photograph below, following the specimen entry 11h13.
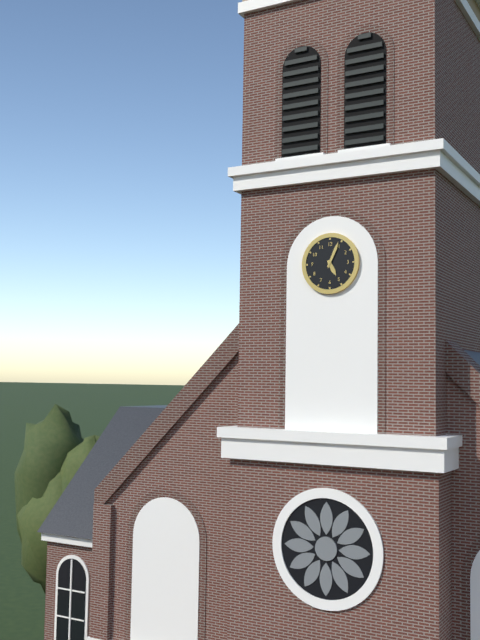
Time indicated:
5h04
